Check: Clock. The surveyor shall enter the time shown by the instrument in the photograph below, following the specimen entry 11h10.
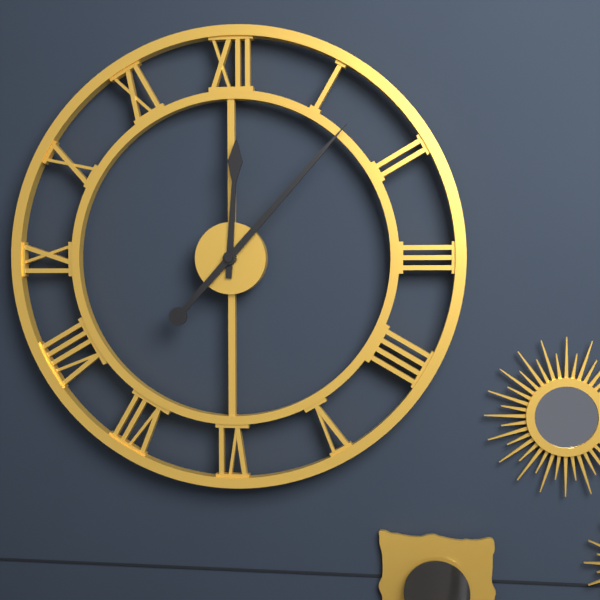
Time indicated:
12h07
